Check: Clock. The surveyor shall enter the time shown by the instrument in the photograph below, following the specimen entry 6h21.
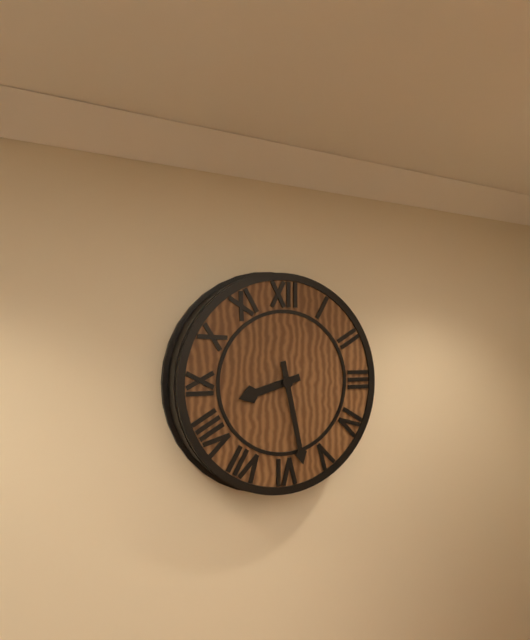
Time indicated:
8h28
